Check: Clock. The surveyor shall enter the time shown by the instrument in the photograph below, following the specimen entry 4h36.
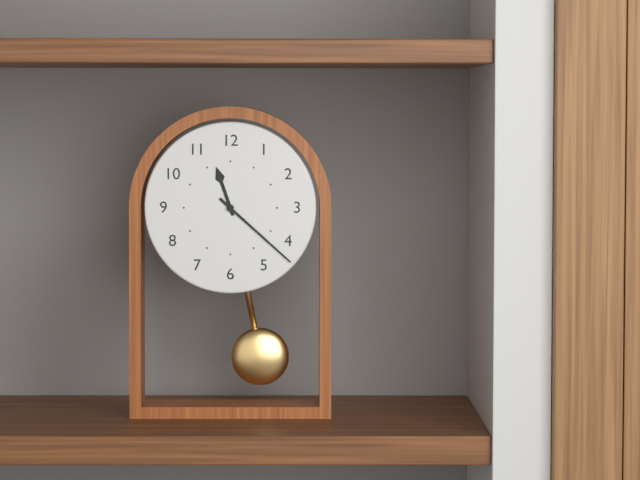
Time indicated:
11h22
